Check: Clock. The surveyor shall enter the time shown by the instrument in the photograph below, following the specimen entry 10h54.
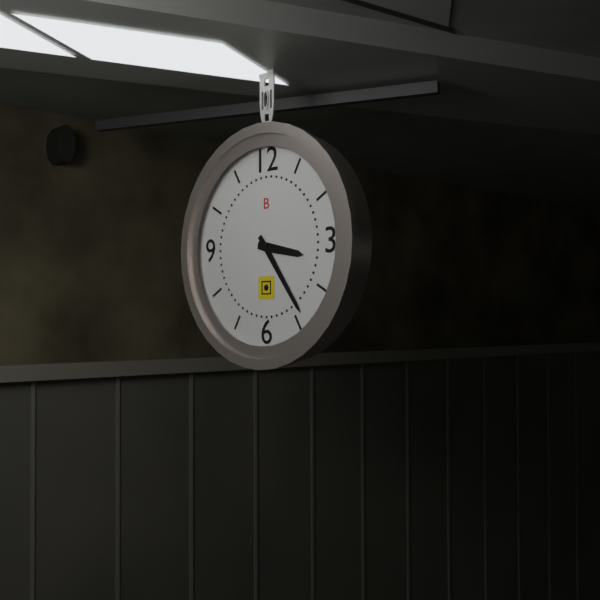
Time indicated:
3h24
